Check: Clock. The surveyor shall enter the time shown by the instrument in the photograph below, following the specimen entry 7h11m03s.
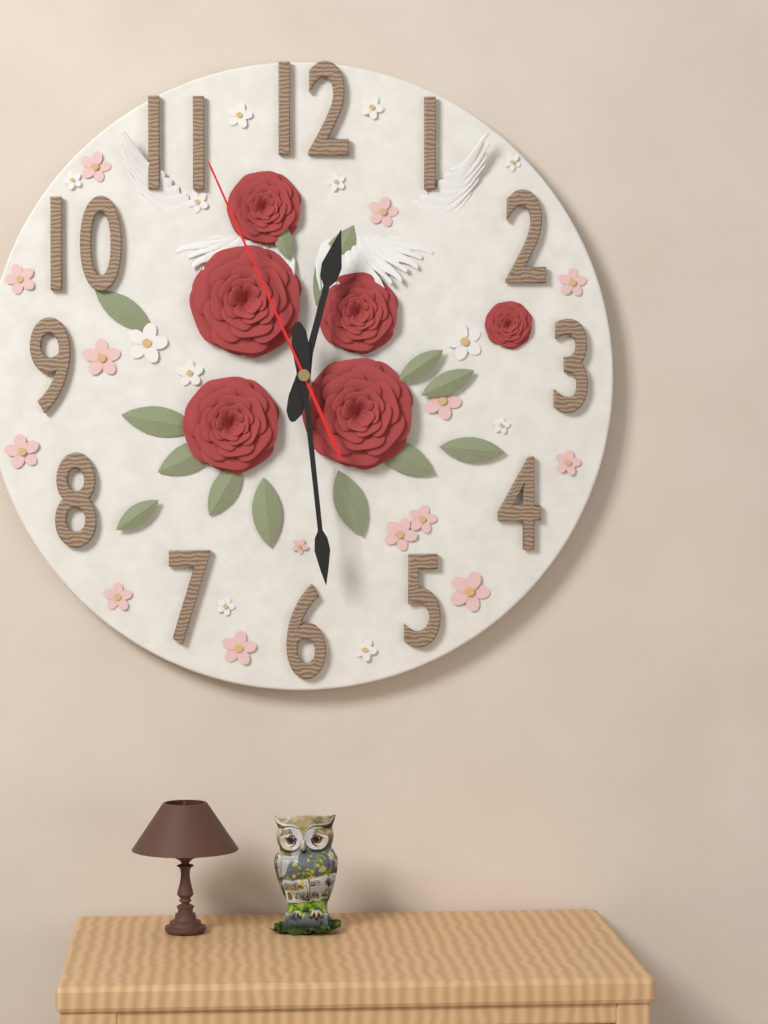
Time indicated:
12h29m56s
